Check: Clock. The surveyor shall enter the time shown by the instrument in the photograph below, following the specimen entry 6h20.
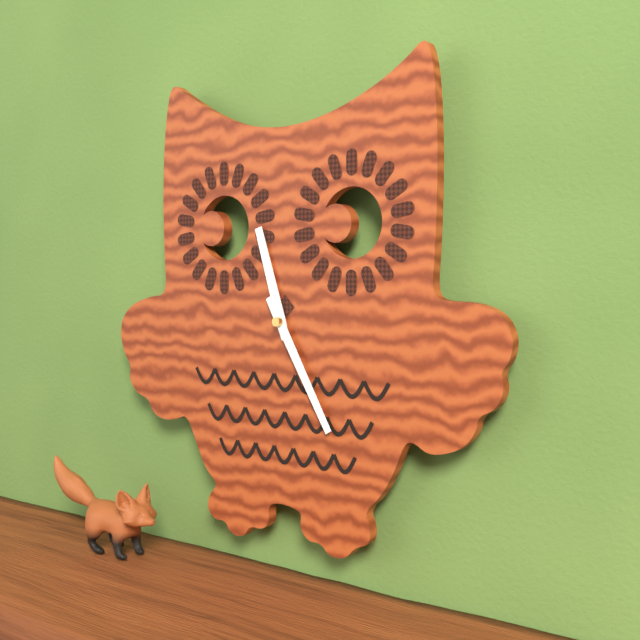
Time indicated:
11h25
